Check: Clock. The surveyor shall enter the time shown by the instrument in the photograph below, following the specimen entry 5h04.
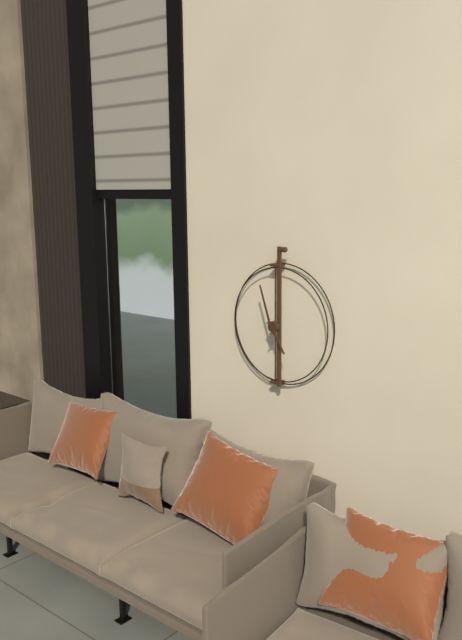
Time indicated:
4h57
